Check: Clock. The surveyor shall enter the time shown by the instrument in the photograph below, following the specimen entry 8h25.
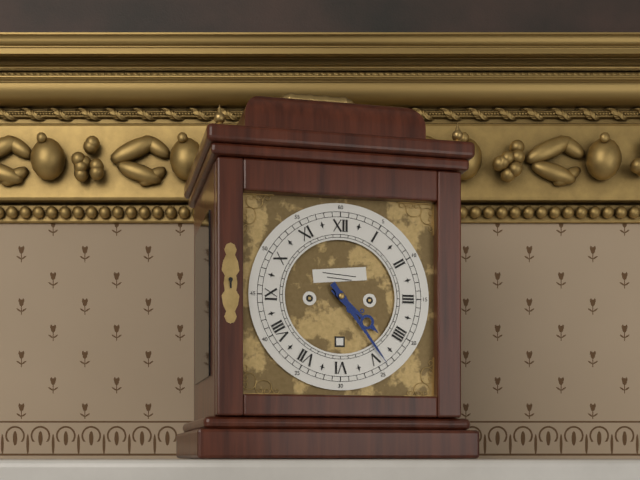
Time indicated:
4h24
